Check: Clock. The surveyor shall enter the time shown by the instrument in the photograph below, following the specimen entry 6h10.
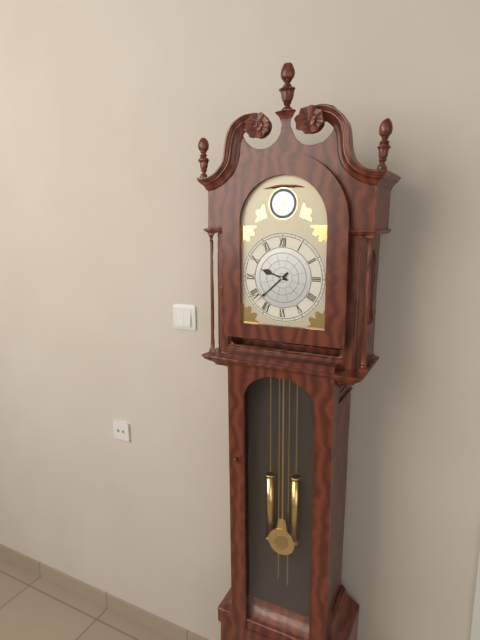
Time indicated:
9h38
